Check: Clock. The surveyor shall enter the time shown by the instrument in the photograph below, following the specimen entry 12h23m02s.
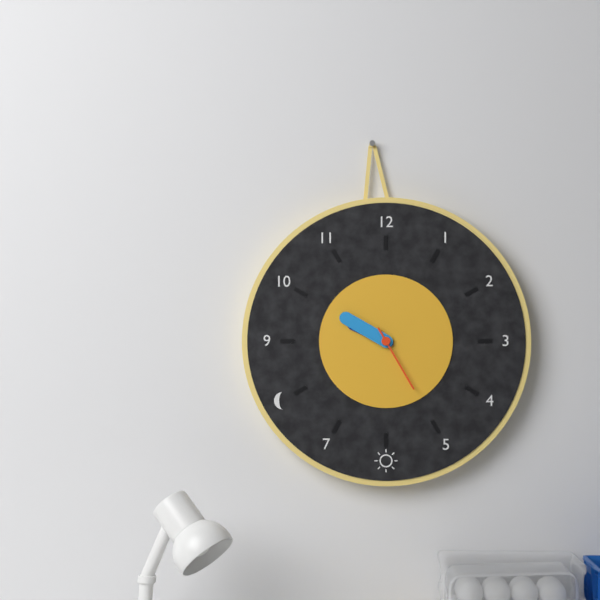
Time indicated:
9h50m25s
